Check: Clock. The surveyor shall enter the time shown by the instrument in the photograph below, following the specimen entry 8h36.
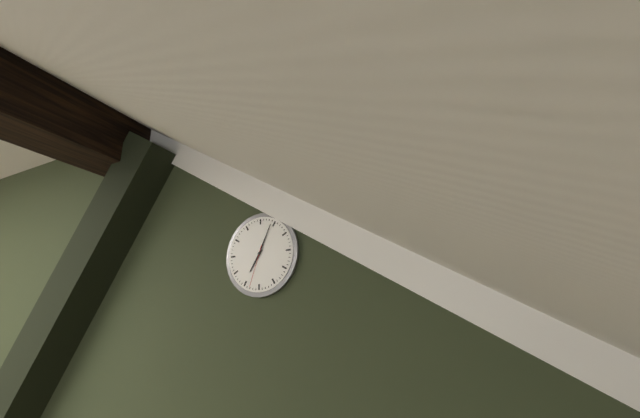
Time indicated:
7h04
